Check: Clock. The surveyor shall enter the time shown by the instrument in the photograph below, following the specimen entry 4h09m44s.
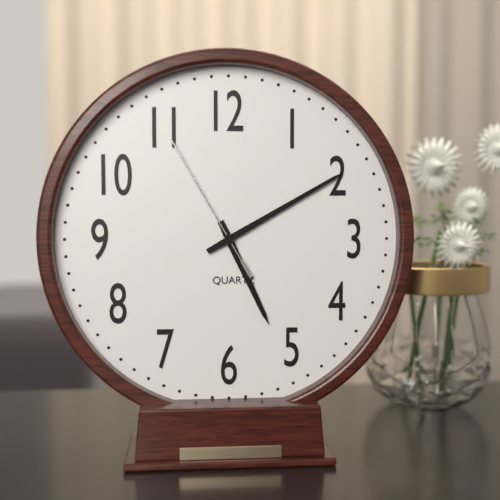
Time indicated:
5h10m55s
